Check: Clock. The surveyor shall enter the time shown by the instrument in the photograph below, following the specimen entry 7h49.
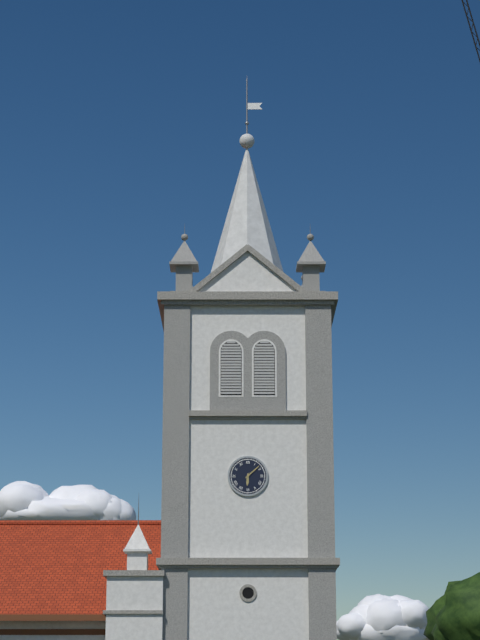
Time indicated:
6h08
